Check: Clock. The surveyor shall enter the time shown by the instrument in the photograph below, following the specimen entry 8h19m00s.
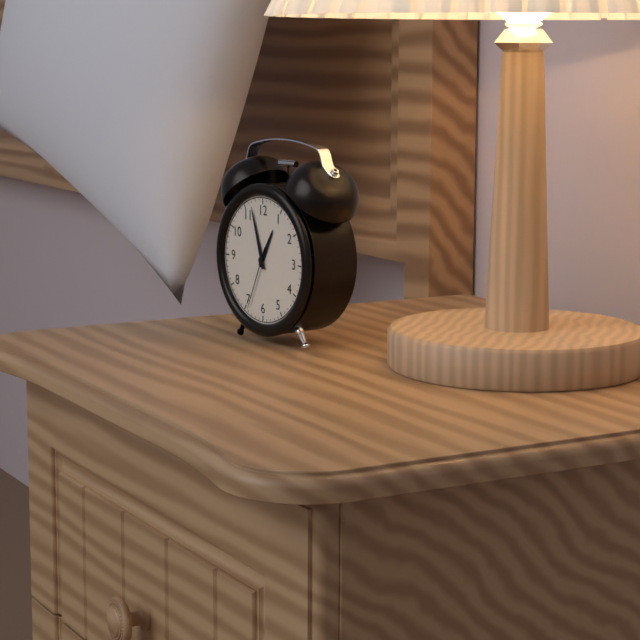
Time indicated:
12h57m34s
